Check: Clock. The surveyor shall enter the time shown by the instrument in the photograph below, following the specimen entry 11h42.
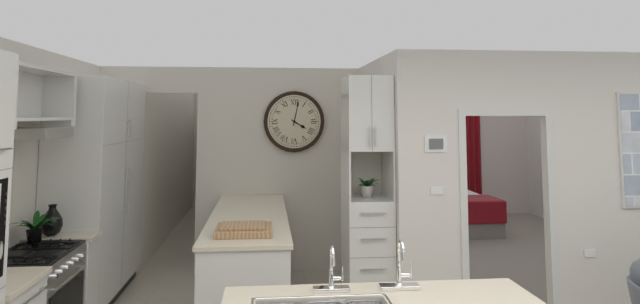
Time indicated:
4h02
